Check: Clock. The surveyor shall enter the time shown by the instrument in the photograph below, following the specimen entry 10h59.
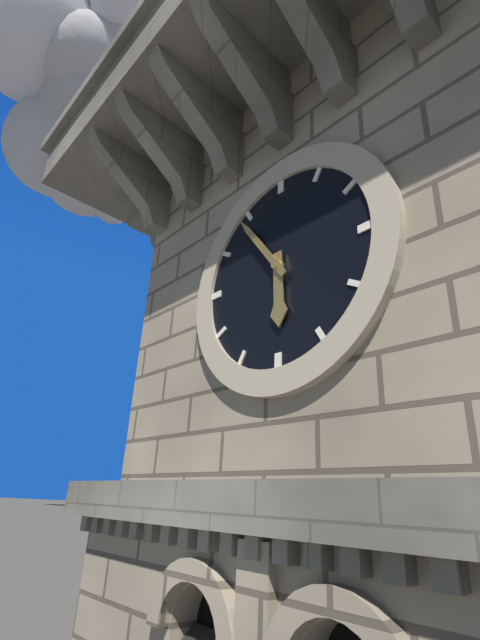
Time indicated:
5h54
